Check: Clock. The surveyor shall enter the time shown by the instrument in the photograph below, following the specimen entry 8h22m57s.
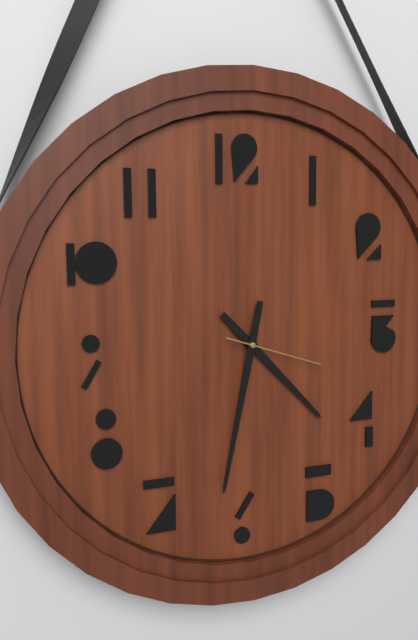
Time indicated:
4h32m18s
